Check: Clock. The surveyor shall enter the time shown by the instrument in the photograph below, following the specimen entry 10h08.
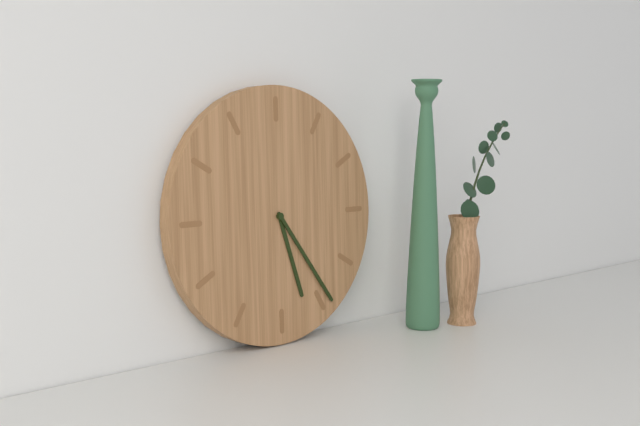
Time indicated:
5h24
